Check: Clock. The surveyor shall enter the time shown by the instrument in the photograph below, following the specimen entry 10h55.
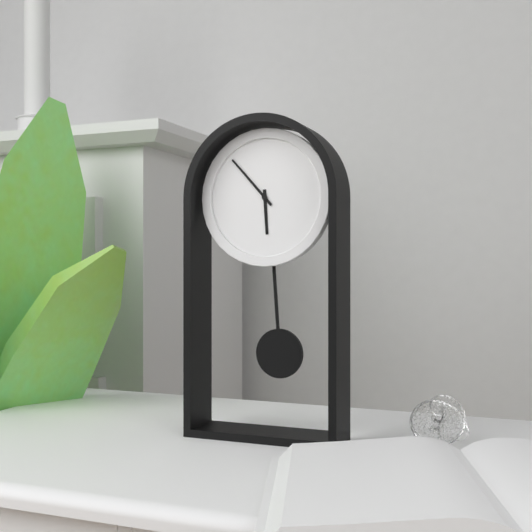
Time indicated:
5h53
